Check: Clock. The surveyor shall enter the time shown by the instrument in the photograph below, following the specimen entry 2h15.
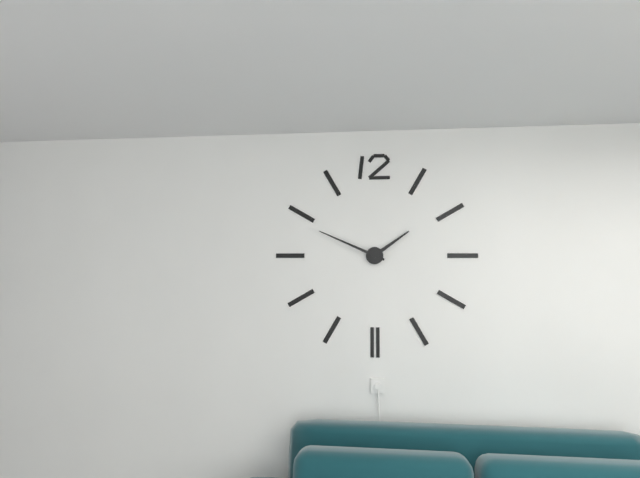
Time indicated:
1h49
